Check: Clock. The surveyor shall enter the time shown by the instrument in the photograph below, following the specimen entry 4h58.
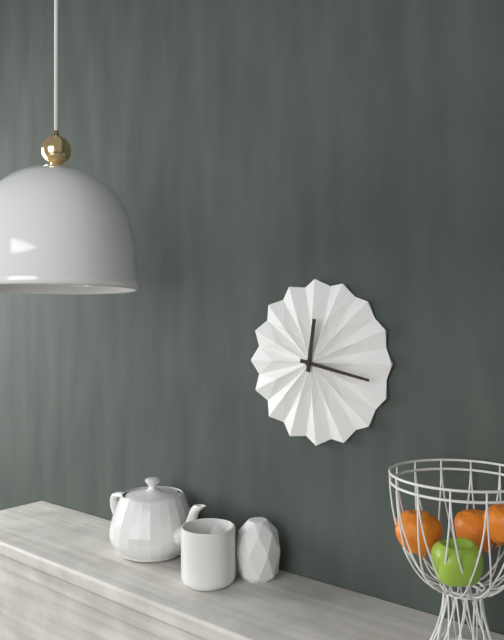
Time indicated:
12h17
